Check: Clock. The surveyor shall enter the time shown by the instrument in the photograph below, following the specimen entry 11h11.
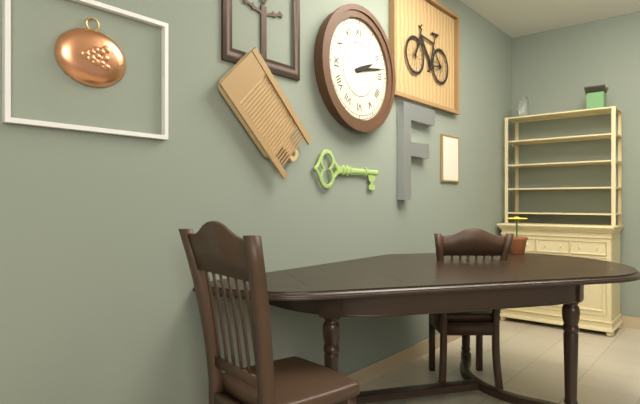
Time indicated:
2h13
